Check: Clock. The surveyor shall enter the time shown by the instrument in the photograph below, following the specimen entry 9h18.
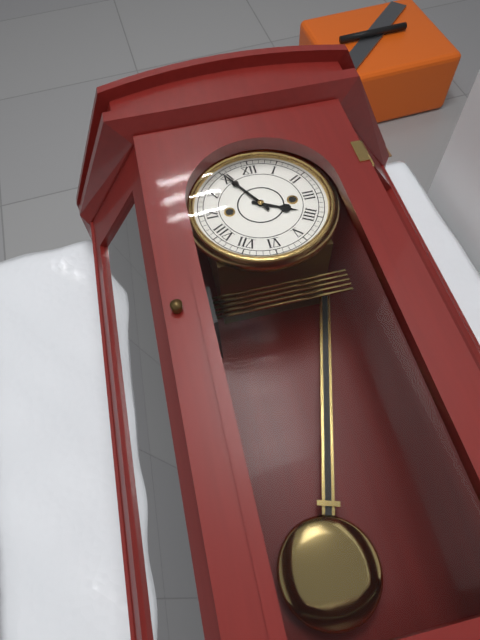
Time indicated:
3h55
